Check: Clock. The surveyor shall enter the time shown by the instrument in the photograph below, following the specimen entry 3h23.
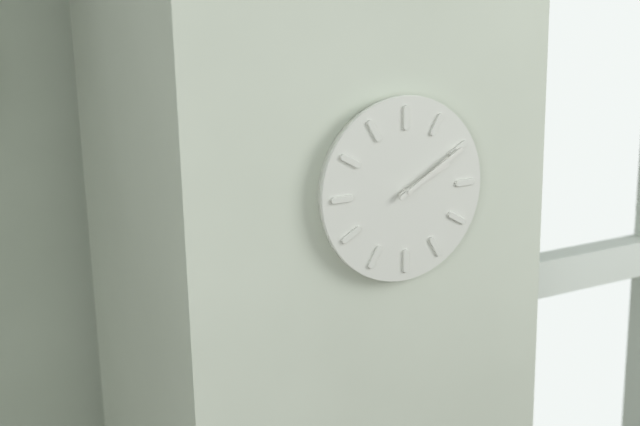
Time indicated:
2h10
